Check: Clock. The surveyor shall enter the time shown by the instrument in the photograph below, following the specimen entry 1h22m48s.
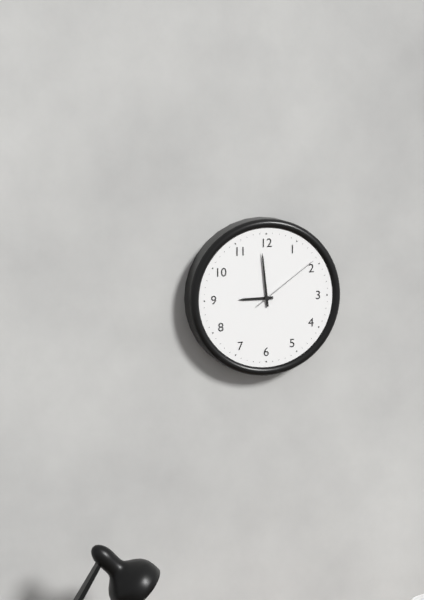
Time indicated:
8h59m09s
